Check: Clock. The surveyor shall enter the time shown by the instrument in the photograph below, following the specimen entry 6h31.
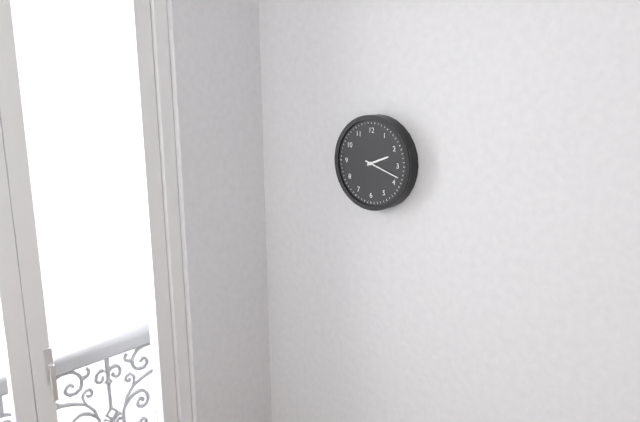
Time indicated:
2h18
